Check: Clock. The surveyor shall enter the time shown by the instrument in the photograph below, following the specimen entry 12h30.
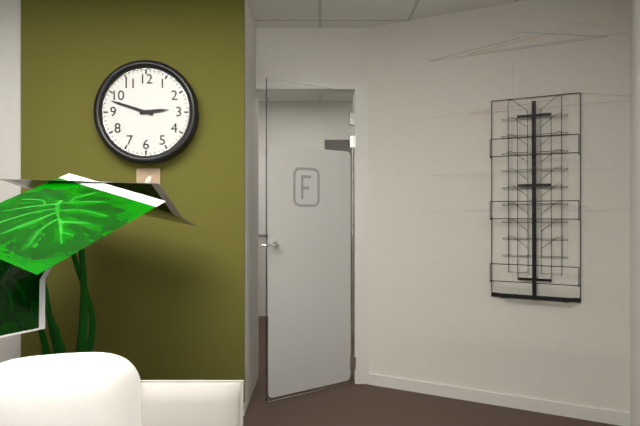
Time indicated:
2h48
